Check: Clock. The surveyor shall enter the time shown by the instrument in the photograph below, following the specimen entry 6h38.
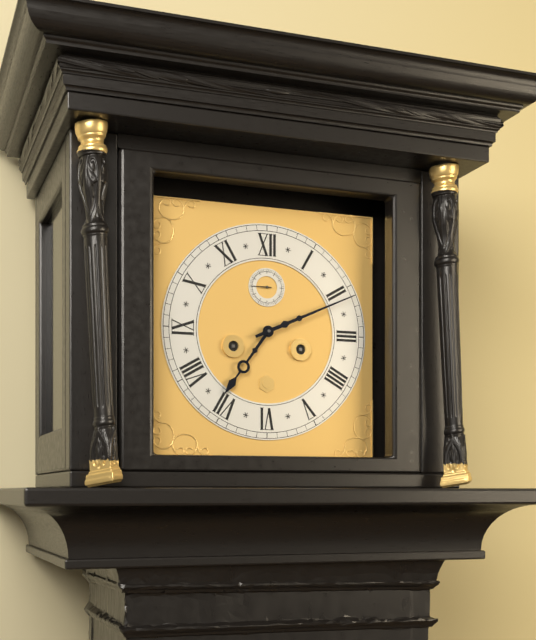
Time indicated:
7h11
